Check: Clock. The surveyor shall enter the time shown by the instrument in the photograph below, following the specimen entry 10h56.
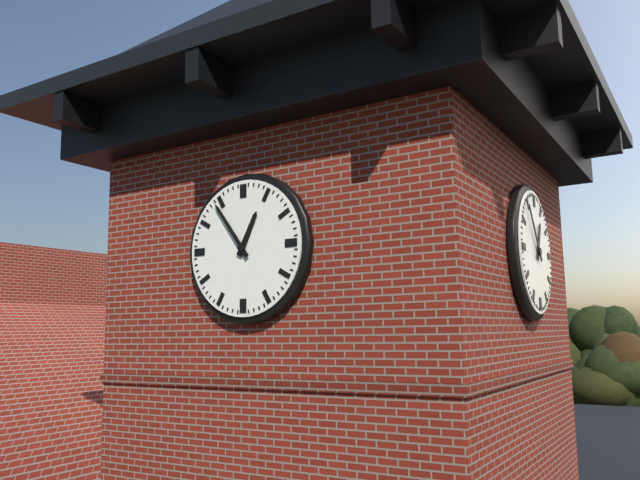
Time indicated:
12h54
